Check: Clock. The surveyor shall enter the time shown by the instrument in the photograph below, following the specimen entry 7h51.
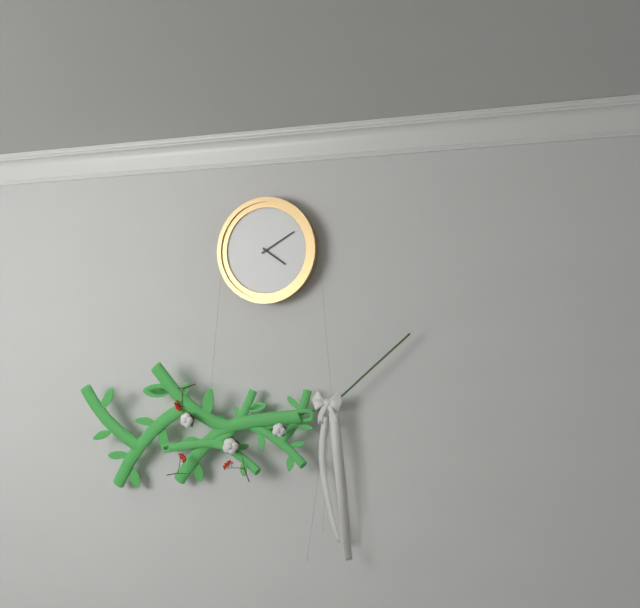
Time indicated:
4h10
